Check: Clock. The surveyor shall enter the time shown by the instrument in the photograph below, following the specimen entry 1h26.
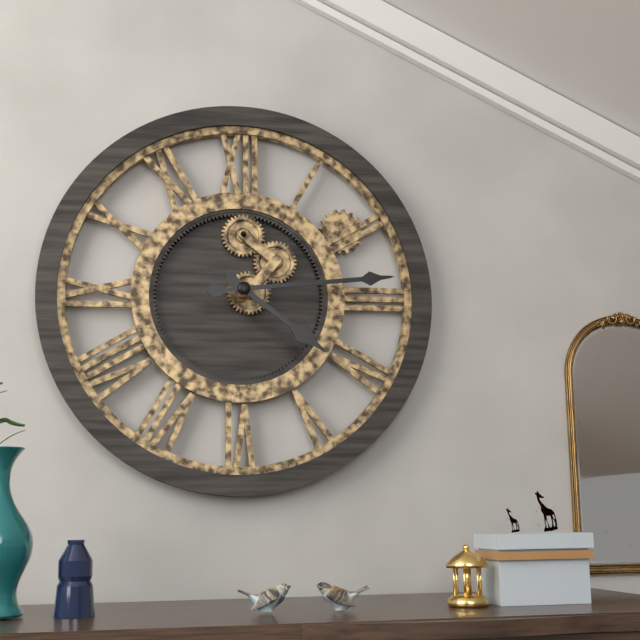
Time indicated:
4h14
